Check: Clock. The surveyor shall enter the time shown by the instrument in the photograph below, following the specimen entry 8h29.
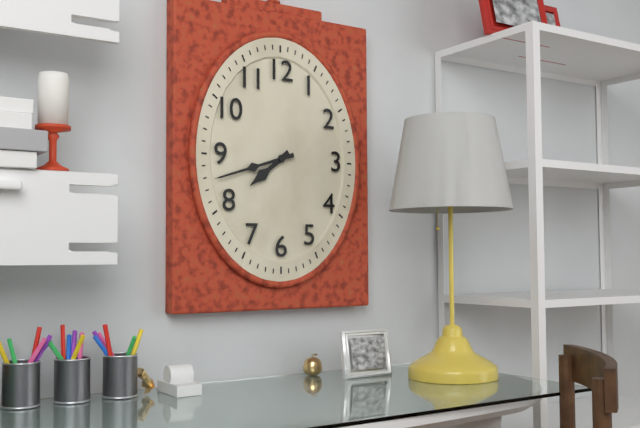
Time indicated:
7h42
